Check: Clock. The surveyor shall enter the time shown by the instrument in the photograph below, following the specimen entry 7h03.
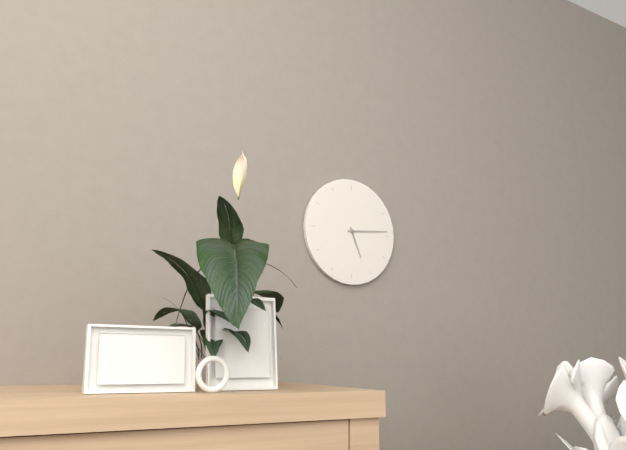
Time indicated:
5h14
